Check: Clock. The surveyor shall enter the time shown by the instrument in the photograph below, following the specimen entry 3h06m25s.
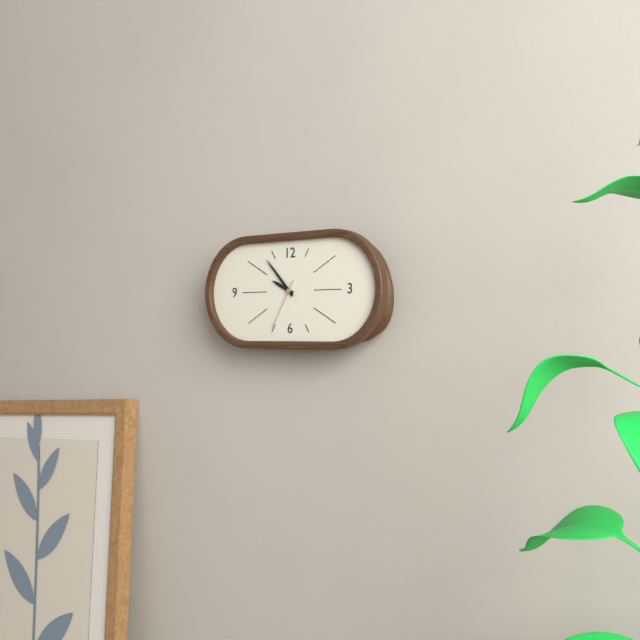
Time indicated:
9h53m35s
